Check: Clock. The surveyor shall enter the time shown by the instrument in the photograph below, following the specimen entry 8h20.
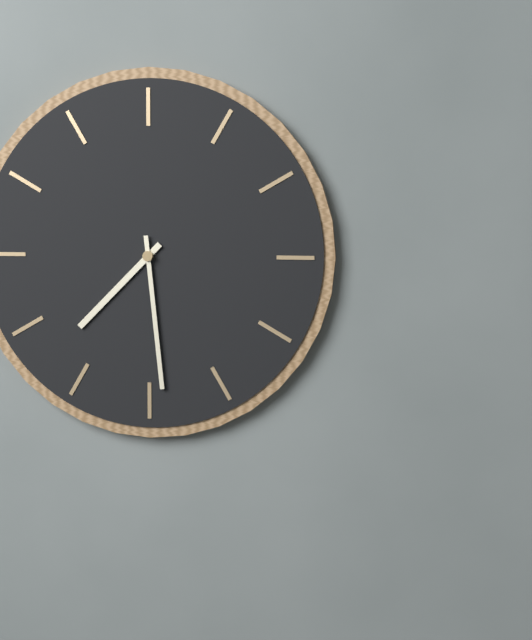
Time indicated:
7h29
